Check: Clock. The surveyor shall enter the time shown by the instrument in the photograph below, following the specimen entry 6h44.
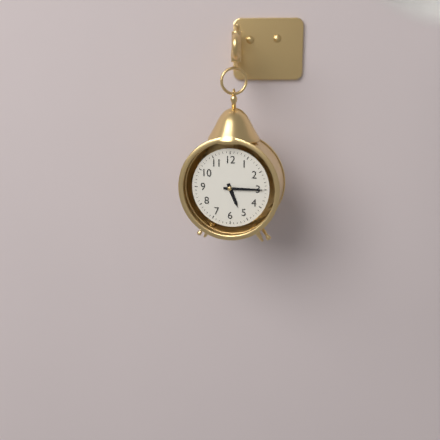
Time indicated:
5h15
